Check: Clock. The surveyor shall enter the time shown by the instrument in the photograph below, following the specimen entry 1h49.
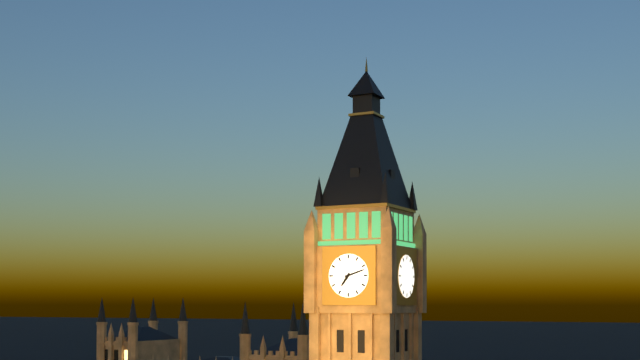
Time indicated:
7h12
